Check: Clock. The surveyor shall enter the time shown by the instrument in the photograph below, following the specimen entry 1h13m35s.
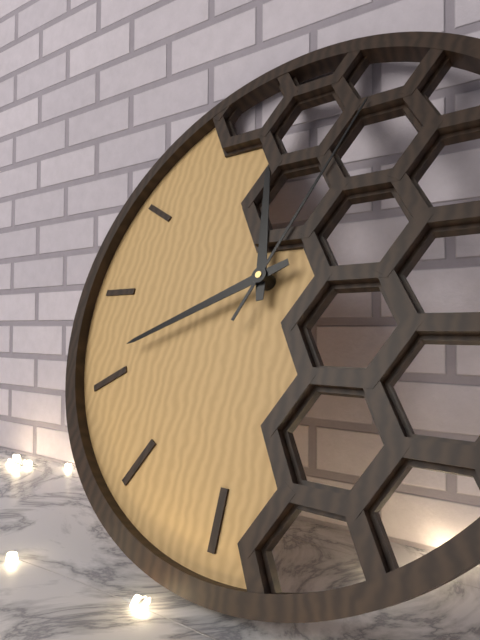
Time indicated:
11h41m04s
